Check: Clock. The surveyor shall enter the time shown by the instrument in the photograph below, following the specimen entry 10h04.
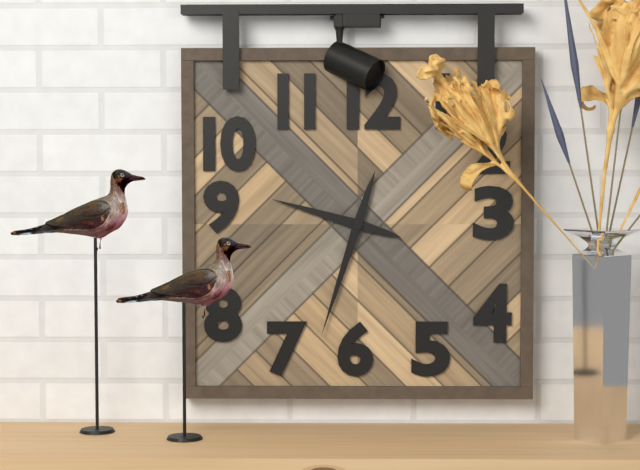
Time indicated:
9h33
